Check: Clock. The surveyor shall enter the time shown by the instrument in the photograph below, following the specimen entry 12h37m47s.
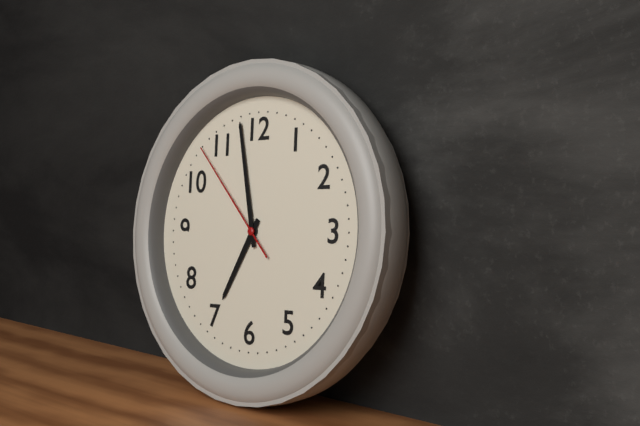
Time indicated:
6h58m53s
